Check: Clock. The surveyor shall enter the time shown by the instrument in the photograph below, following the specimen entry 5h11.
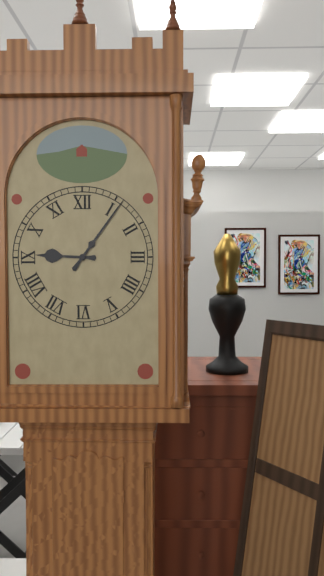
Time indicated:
9h06
